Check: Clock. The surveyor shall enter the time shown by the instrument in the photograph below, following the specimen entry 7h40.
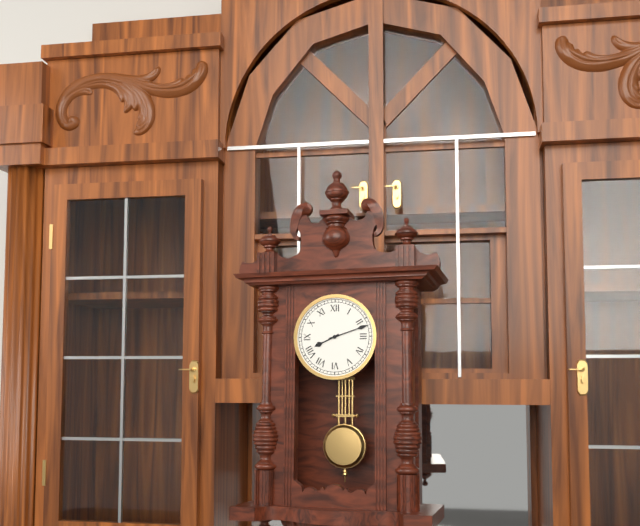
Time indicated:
8h12
